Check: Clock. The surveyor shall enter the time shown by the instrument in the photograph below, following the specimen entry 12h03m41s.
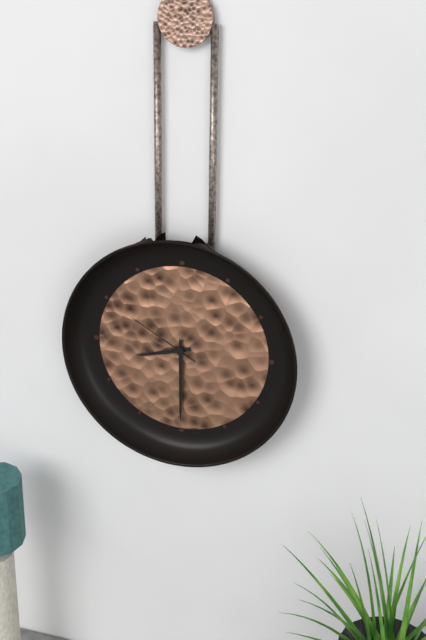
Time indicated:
8h30m50s
